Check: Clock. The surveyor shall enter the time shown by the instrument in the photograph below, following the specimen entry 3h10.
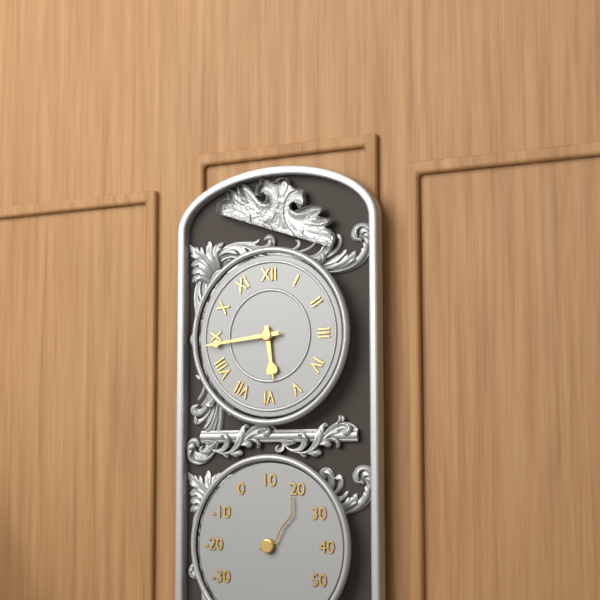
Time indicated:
5h44
